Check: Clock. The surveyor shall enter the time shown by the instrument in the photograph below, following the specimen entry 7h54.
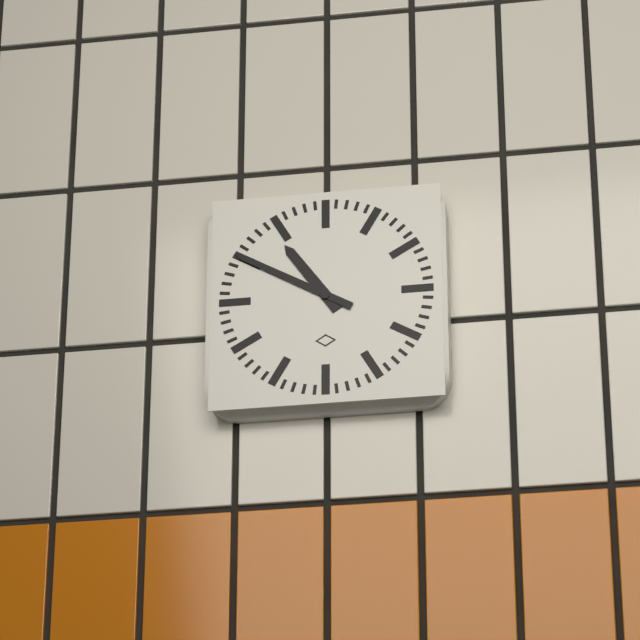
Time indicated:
10h50
